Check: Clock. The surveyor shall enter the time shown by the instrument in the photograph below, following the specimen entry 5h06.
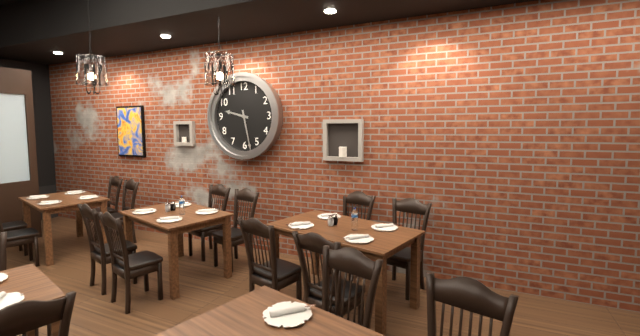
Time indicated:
9h28
